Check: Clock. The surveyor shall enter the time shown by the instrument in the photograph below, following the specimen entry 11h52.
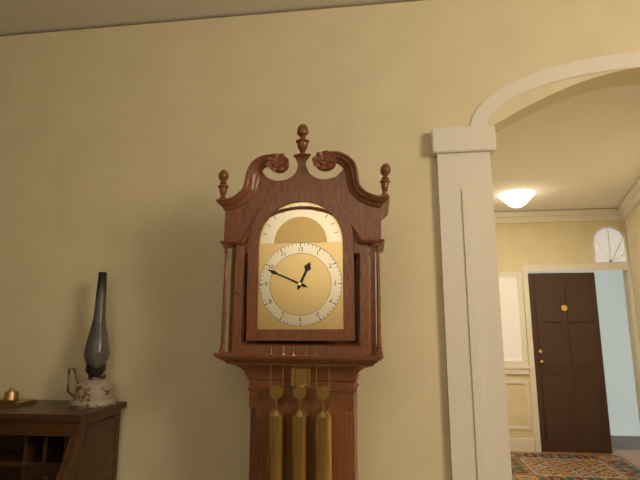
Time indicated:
12h49
